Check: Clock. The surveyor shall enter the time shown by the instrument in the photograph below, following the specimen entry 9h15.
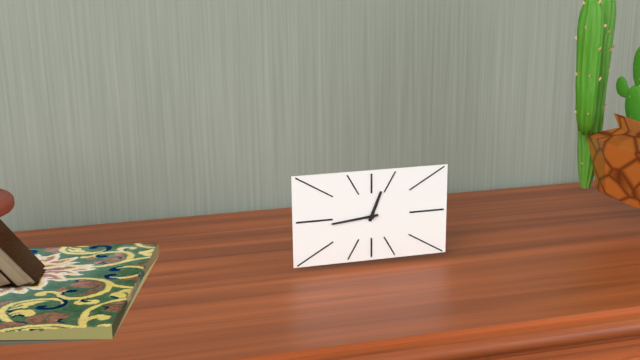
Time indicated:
12h44
